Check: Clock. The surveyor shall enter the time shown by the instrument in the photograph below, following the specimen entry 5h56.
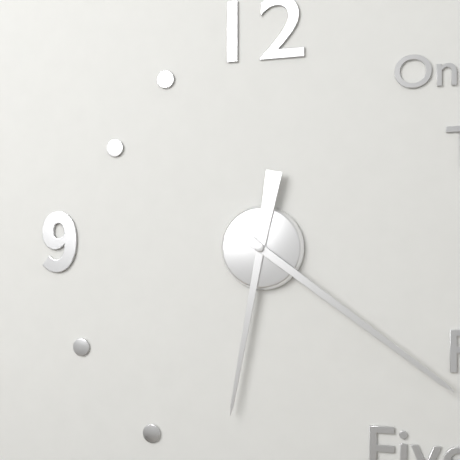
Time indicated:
6h21
